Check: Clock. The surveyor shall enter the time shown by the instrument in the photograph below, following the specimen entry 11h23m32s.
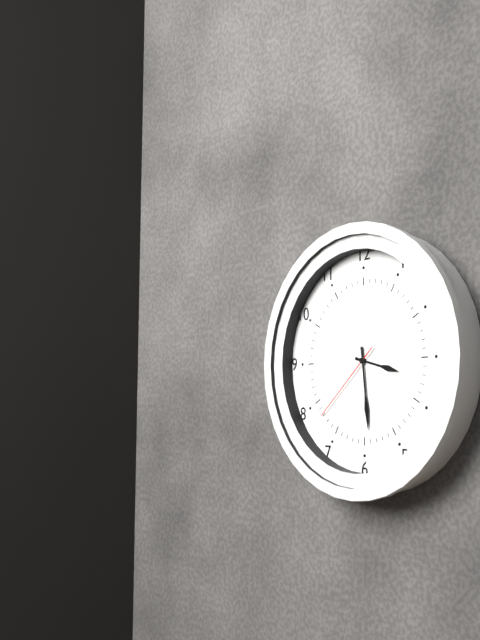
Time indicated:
3h29m38s
